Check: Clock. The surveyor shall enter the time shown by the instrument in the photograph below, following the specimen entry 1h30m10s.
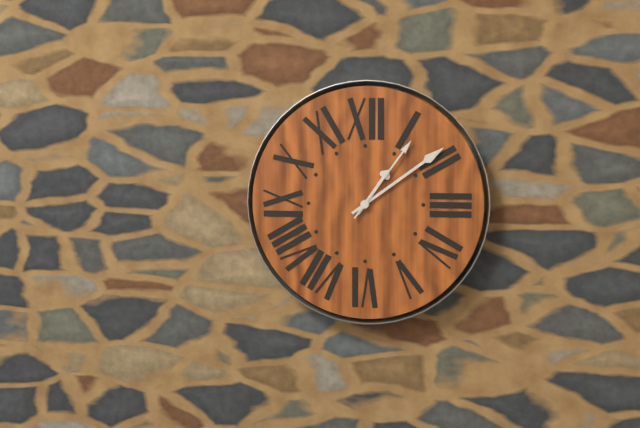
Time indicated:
1h09m06s
